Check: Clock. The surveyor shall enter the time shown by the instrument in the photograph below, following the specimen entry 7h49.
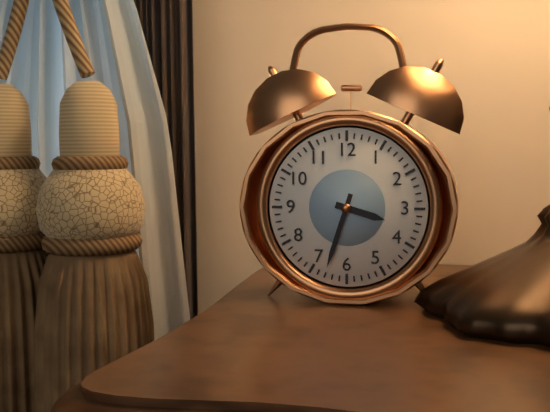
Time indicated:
3h33
